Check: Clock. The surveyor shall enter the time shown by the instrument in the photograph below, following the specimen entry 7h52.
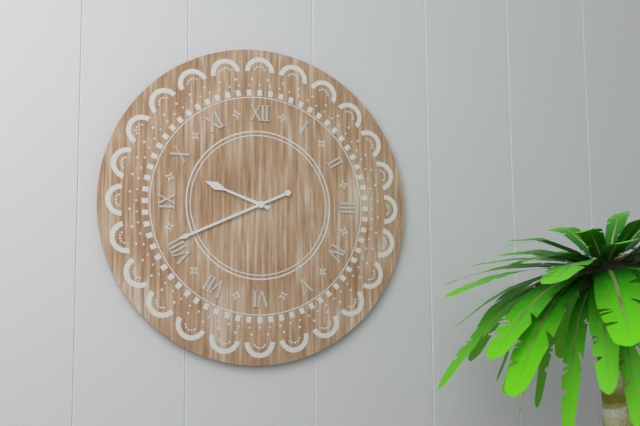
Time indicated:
9h41
